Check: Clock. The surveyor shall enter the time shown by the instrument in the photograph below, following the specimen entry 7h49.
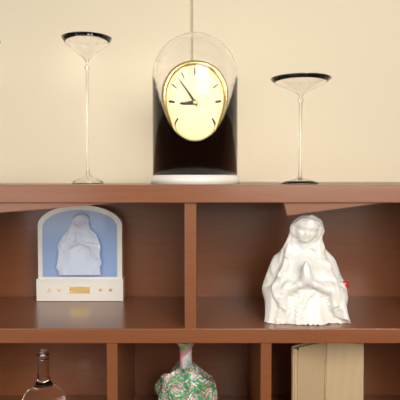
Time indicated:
8h53
